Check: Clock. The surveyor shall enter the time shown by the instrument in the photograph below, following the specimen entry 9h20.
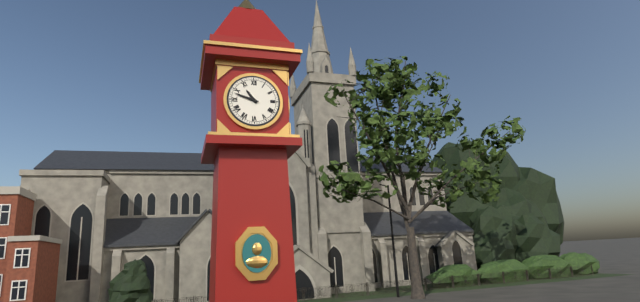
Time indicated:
10h48
